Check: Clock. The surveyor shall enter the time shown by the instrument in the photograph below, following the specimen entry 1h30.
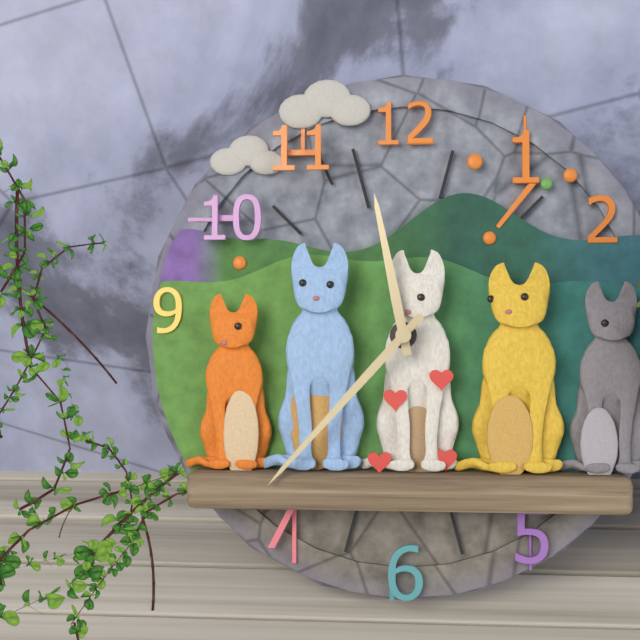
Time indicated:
11h37
